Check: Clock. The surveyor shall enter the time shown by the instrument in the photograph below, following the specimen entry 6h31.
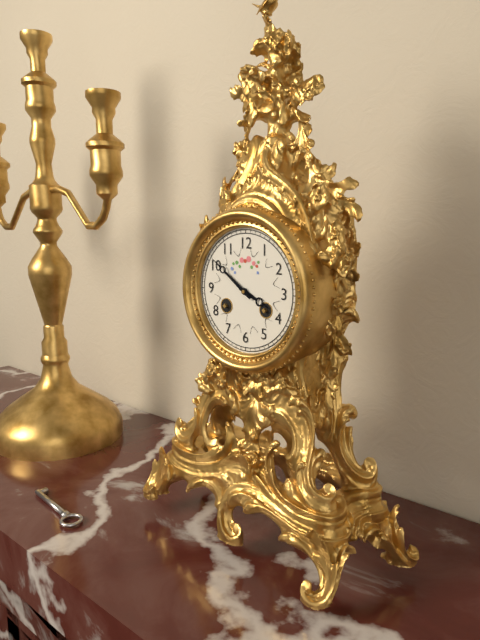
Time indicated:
3h51
